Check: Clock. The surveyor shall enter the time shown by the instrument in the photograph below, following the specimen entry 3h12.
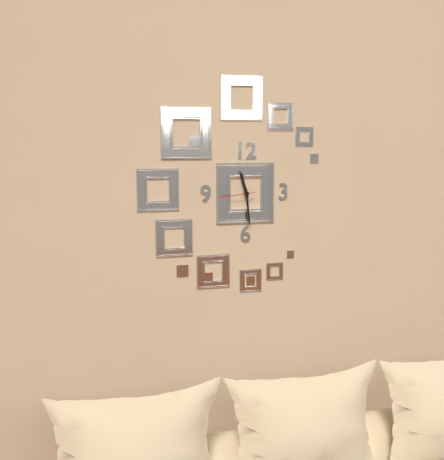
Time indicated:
11h29
